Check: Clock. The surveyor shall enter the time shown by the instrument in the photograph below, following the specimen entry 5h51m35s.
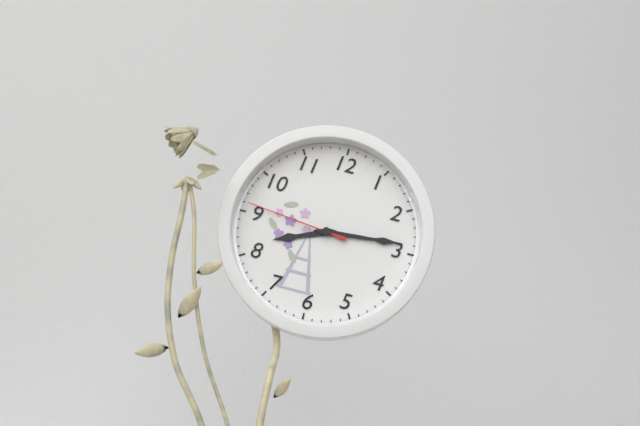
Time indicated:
8h14m46s
